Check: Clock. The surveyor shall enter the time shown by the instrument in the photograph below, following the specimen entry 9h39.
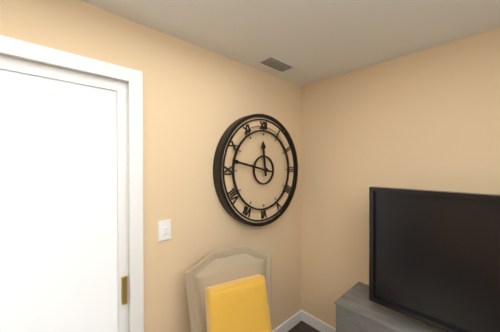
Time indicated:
11h47
